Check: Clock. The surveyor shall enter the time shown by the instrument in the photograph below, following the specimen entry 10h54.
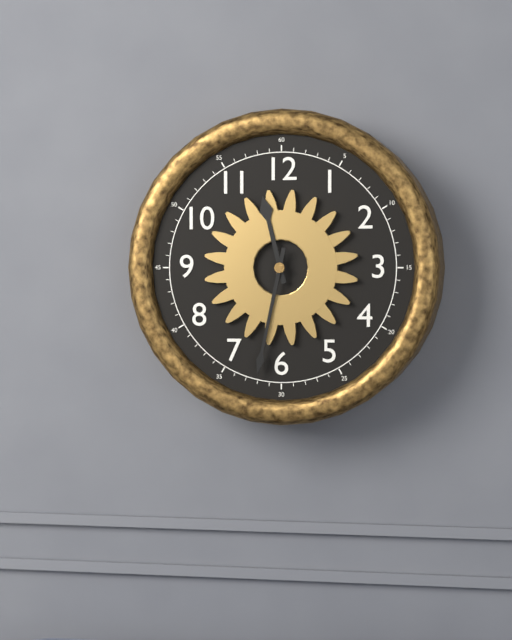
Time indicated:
11h32
